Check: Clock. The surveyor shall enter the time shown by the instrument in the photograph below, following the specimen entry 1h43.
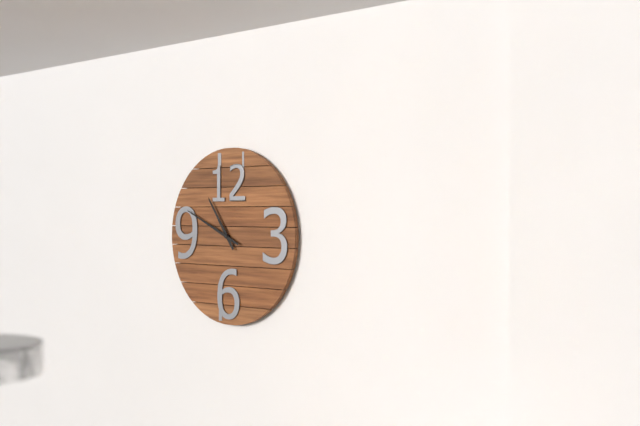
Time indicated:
10h49
